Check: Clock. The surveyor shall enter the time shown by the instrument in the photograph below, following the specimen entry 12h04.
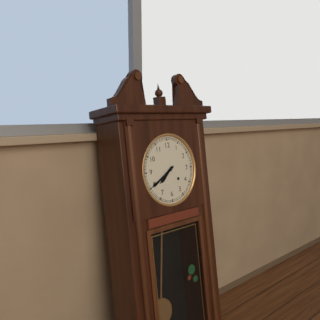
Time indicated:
7h40
